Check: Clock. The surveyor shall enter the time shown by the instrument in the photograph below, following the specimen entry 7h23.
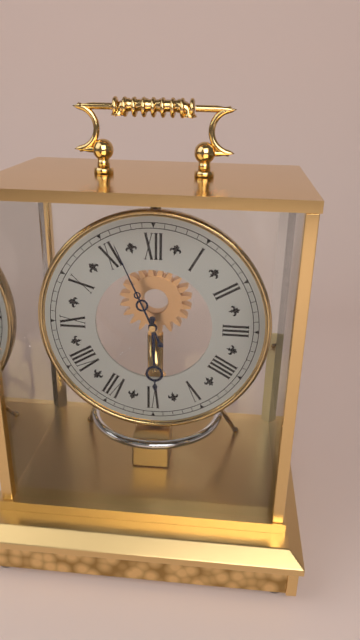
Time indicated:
5h56
